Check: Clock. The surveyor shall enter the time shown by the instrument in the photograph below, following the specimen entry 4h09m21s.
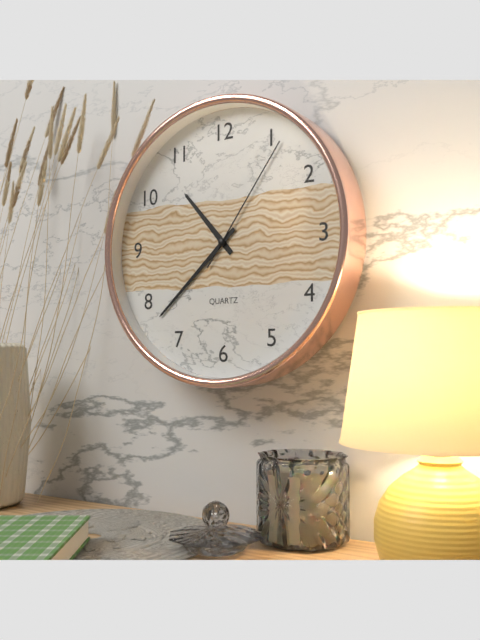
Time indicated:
10h38m06s
